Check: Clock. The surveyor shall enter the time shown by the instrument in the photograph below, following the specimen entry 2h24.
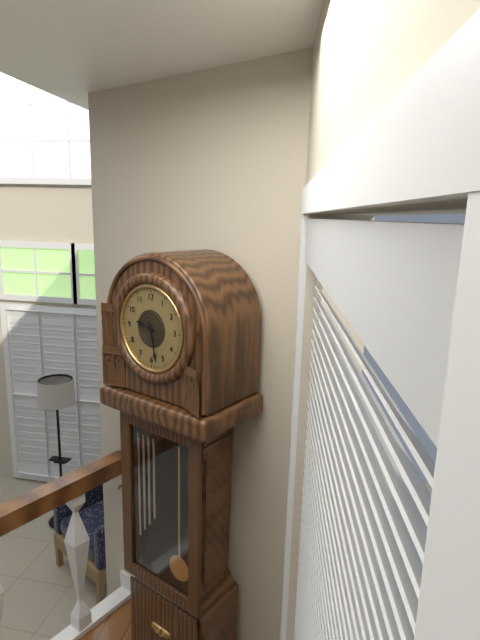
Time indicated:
9h28
